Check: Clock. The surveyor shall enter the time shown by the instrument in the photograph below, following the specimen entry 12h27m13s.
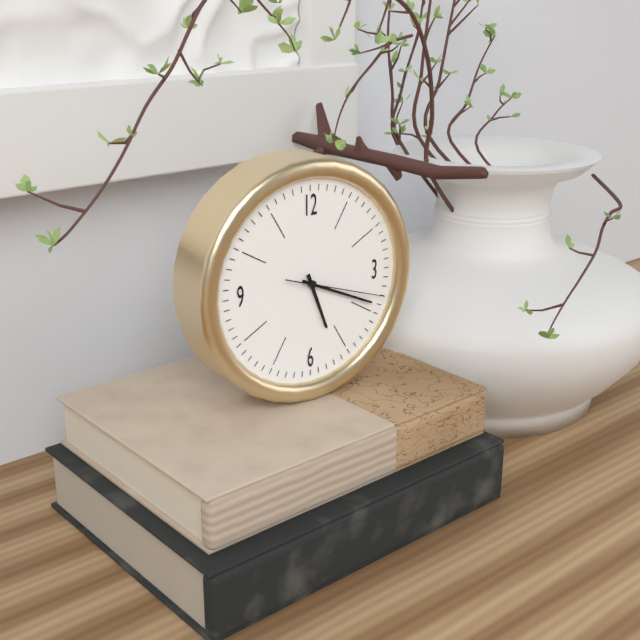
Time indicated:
5h19m18s
